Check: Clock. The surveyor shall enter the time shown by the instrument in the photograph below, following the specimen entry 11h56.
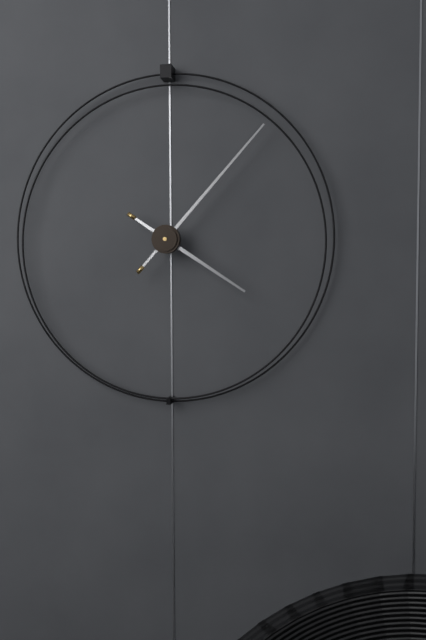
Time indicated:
4h07
